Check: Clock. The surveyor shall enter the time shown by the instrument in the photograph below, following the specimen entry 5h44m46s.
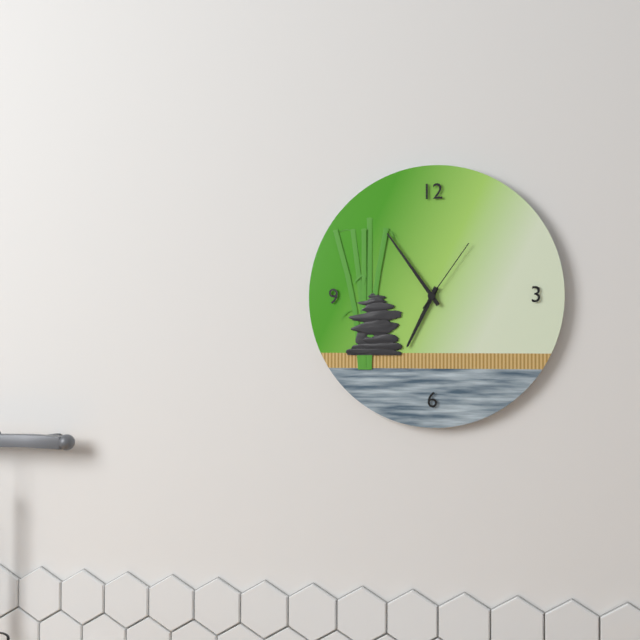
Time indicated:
6h54m06s
